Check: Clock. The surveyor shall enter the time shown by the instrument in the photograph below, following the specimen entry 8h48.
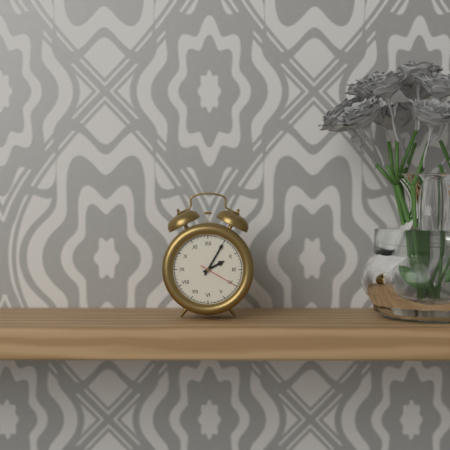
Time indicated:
2h05
